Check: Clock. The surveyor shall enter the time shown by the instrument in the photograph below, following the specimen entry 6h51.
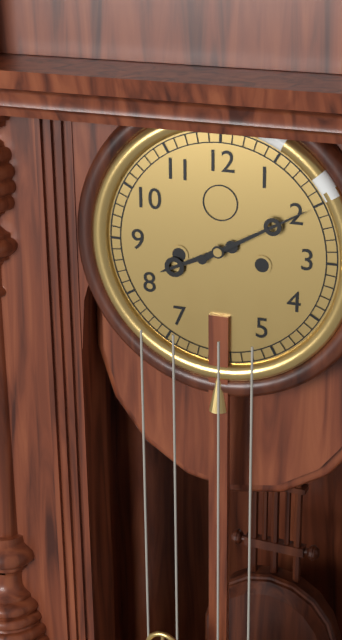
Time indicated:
8h10
